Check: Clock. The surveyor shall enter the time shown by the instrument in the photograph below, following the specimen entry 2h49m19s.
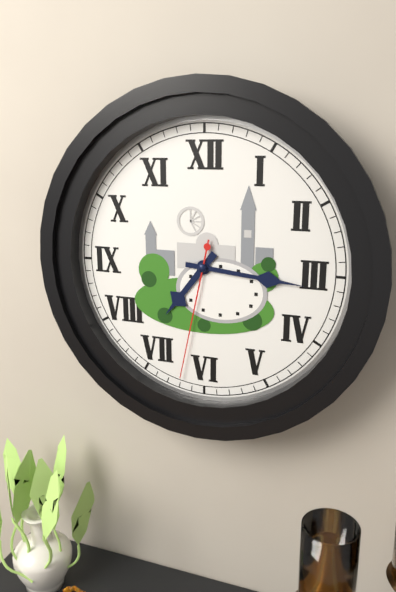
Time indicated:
7h16m32s
